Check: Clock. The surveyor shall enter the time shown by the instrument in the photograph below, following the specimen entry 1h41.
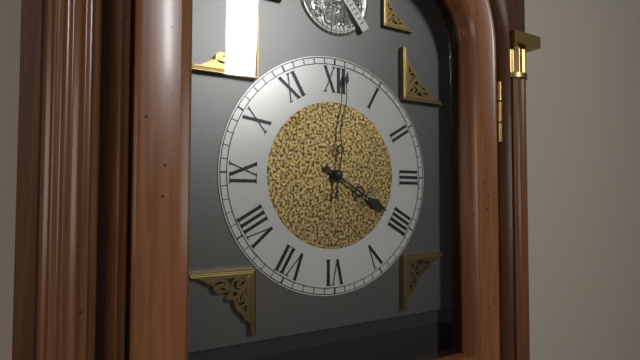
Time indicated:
4h01
